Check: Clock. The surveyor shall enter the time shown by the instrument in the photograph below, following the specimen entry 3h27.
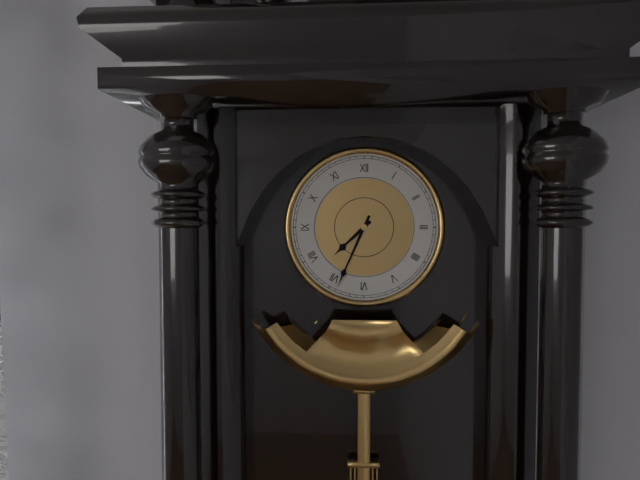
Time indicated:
7h34
